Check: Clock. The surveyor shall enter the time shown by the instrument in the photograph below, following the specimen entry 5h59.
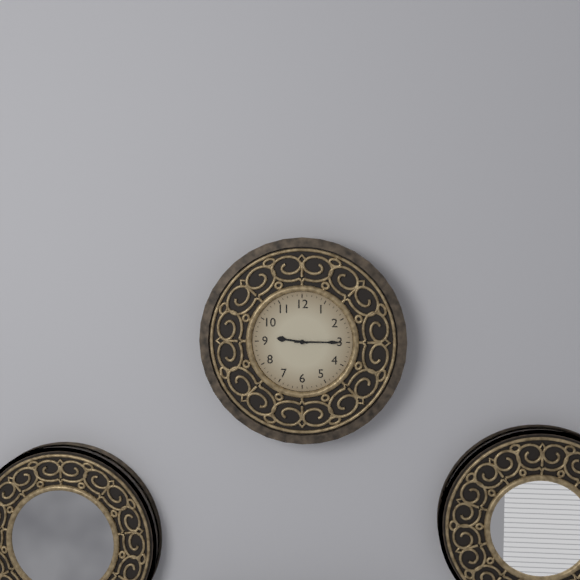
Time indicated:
9h15
